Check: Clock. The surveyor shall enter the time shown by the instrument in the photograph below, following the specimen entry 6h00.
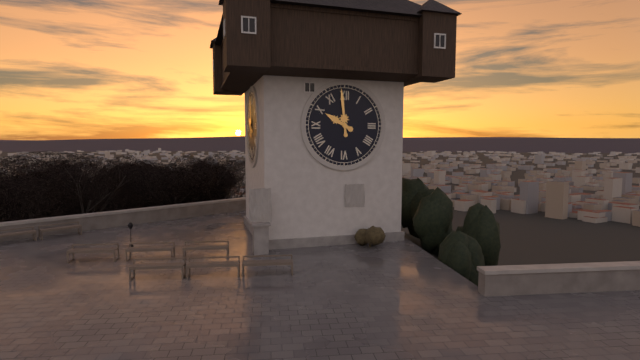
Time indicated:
9h59
